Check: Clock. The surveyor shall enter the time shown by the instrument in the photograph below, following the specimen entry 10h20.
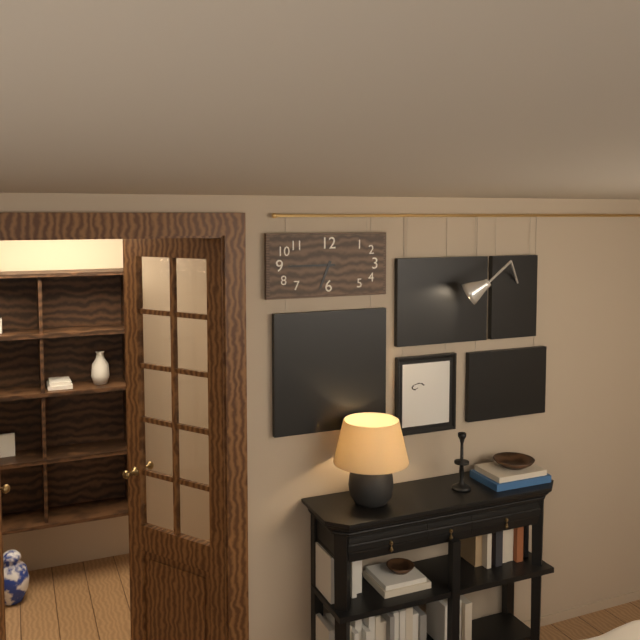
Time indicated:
6h45
